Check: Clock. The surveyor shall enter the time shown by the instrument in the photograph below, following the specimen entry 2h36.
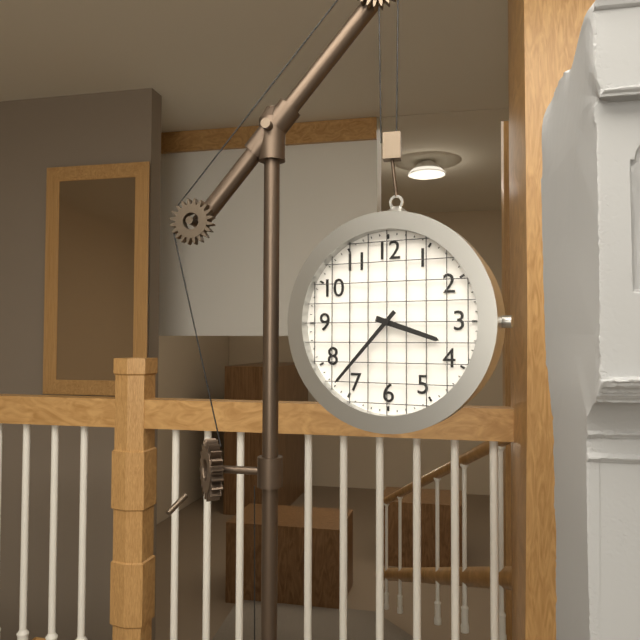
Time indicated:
3h37
